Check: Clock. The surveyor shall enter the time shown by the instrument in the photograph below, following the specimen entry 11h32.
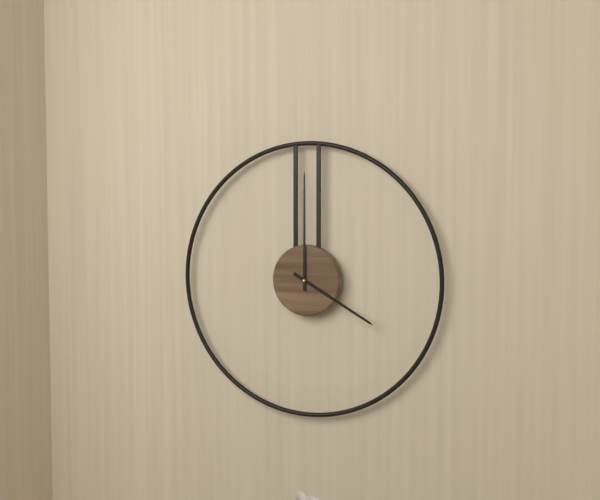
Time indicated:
4h00
